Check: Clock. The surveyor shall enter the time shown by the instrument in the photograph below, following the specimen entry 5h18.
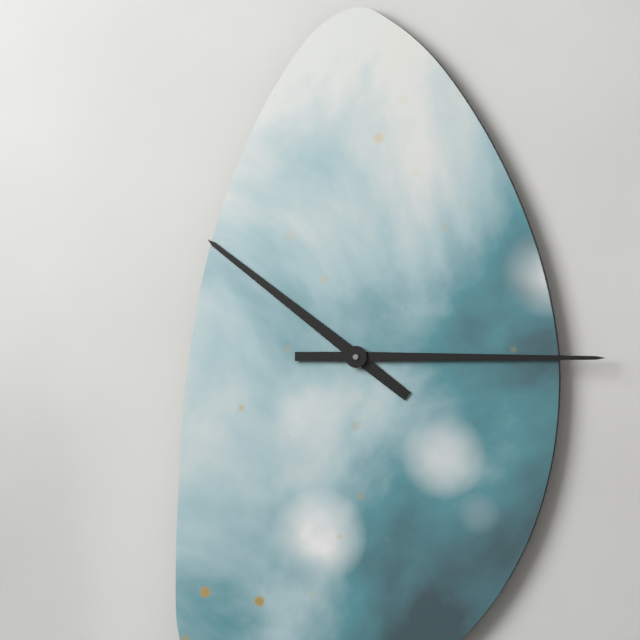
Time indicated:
10h15
